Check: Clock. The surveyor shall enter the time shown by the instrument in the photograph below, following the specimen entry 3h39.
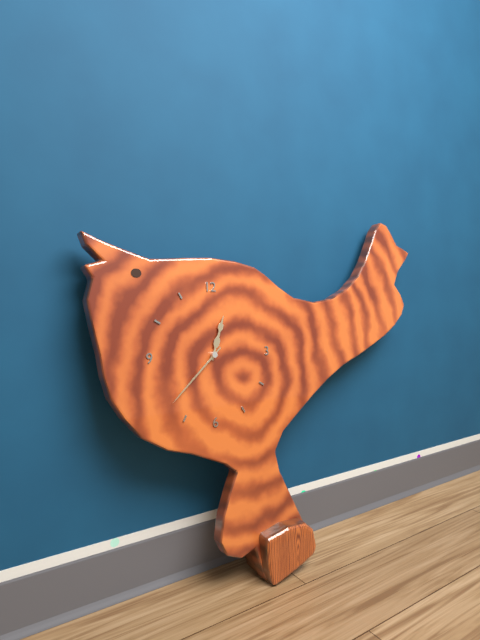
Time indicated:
12h38
